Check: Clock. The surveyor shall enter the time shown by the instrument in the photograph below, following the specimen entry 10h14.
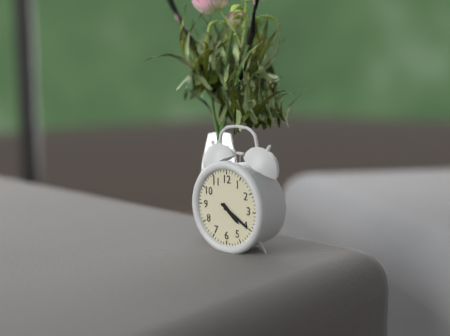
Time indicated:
4h20
